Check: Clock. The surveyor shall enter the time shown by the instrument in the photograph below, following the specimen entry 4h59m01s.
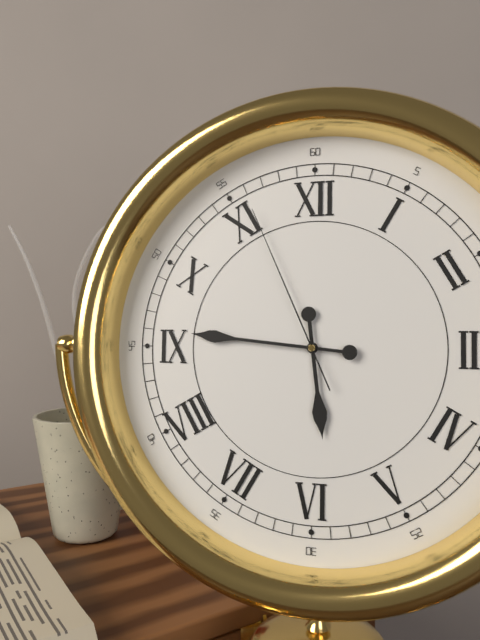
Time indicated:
5h46m56s
